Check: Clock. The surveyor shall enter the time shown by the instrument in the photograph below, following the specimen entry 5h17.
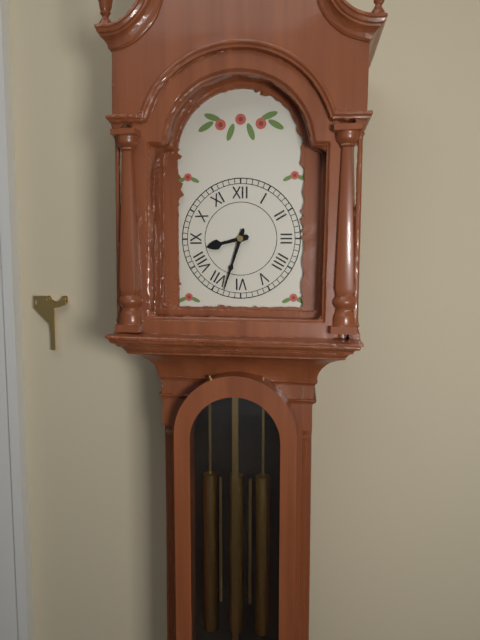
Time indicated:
8h33
